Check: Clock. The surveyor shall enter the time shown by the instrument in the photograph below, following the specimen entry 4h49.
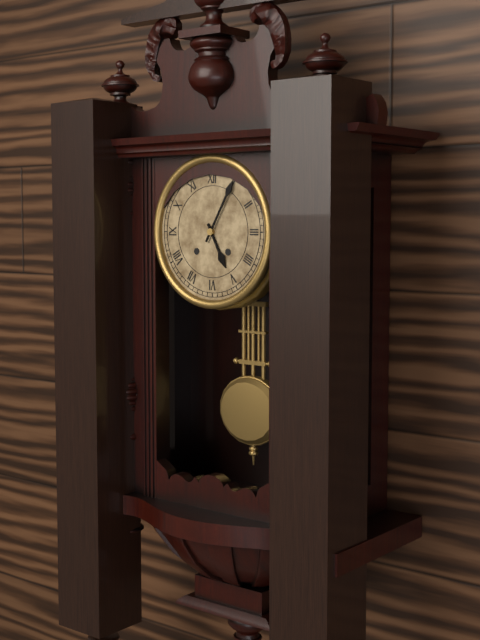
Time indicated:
5h05
